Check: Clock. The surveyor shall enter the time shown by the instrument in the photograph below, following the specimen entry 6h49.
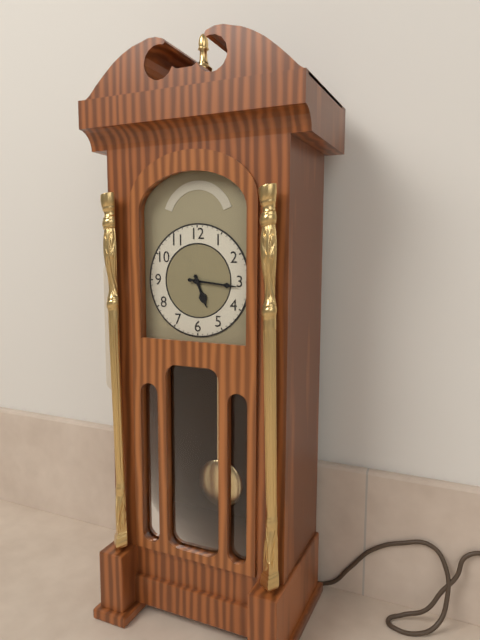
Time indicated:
5h16
